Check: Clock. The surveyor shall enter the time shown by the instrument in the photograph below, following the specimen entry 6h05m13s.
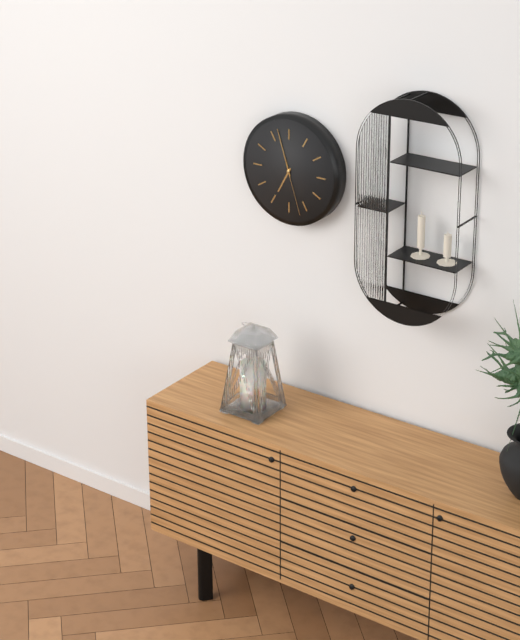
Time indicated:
6h57m27s
